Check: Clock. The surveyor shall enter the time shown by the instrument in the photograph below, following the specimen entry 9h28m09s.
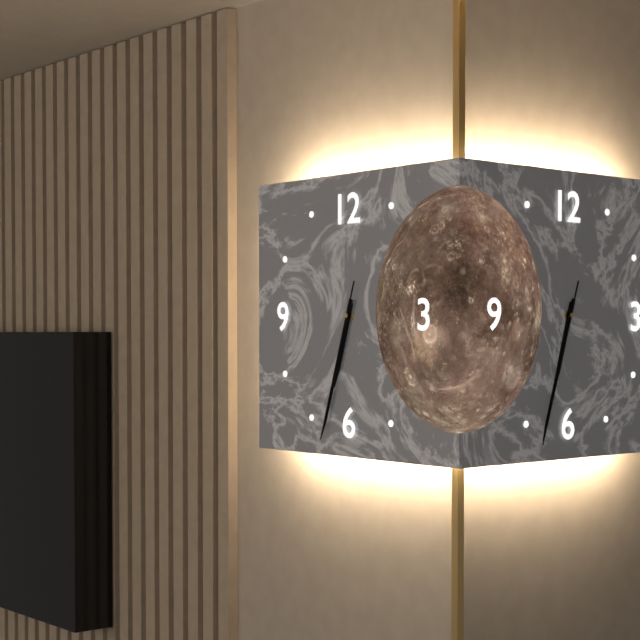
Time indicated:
6h33m33s
